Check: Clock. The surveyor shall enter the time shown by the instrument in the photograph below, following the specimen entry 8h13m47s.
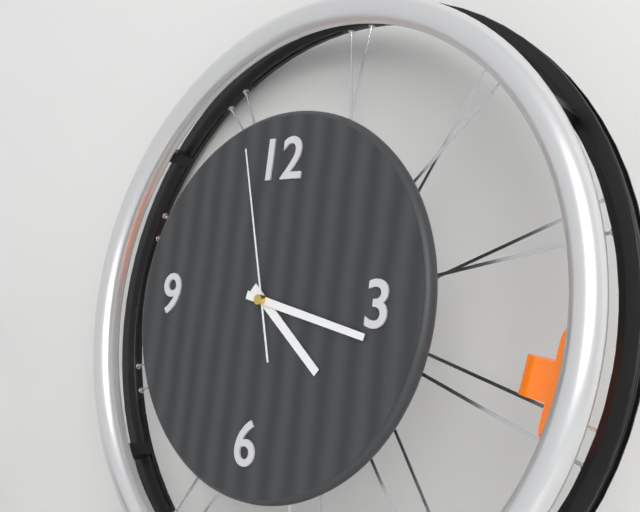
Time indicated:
4h17m57s
